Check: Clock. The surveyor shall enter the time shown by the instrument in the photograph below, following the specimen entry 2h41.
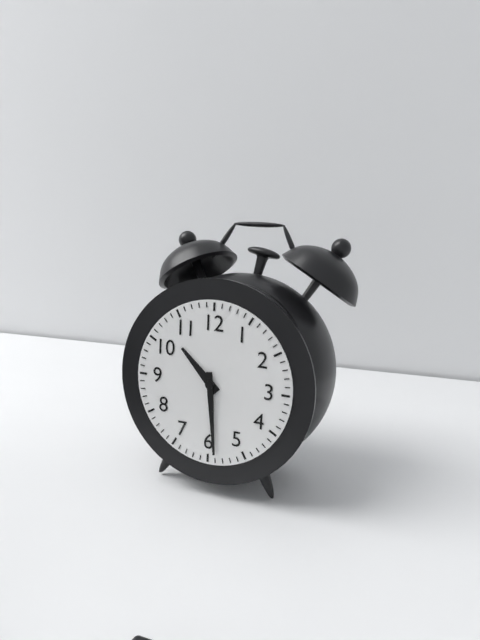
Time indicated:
10h29
